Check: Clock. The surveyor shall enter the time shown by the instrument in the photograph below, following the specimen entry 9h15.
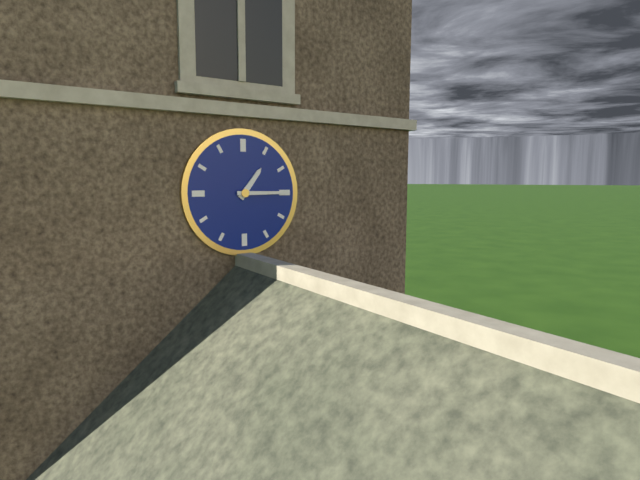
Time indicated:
1h15
